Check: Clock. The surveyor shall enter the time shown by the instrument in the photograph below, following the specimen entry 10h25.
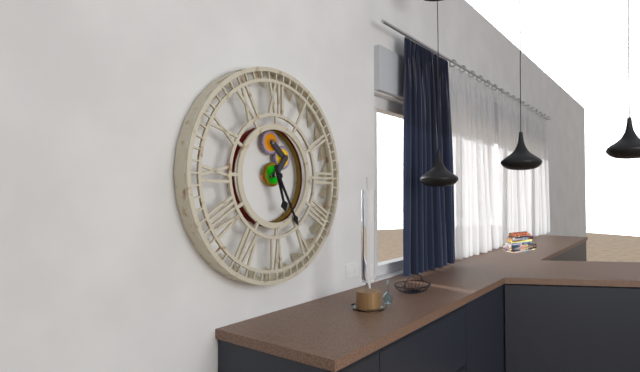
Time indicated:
5h25
